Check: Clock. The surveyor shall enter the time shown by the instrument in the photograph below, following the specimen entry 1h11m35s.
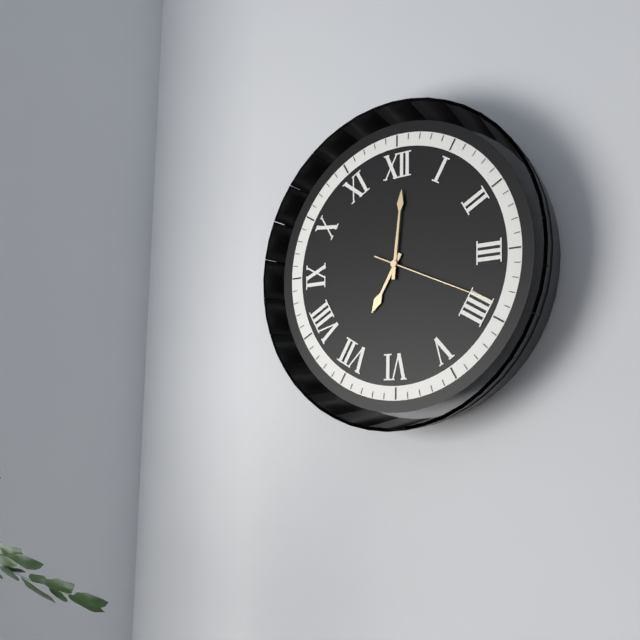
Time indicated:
7h01m19s
